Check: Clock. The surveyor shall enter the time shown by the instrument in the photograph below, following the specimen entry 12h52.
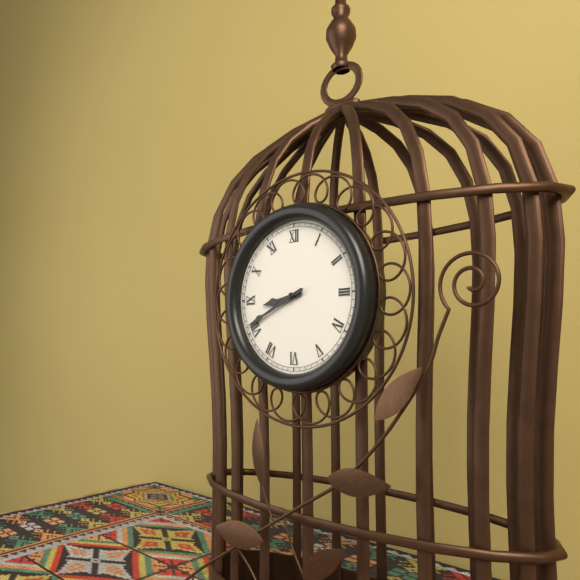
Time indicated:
8h41
